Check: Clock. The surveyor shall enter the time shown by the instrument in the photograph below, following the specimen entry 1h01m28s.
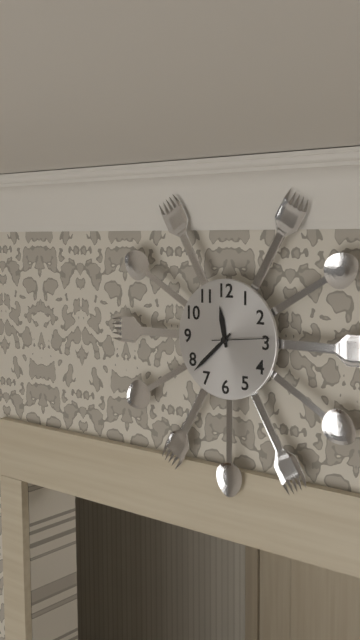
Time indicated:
11h38m14s
